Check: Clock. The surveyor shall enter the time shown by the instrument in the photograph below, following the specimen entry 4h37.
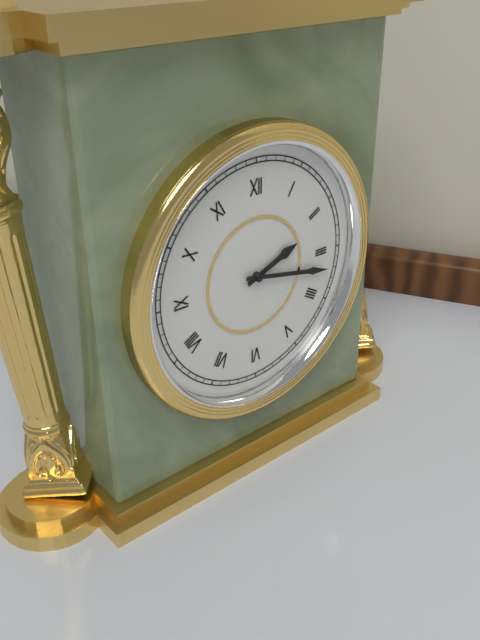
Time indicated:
2h17
